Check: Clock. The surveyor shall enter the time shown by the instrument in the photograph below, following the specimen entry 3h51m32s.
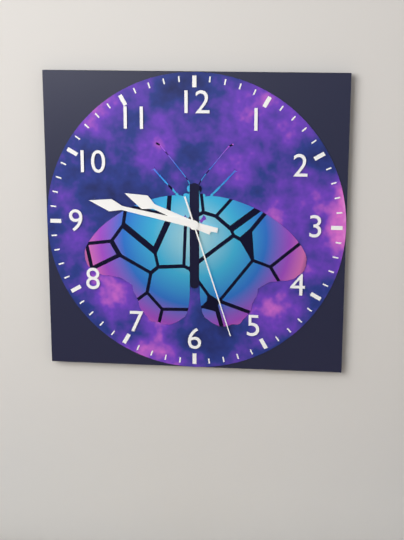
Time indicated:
9h47m27s
